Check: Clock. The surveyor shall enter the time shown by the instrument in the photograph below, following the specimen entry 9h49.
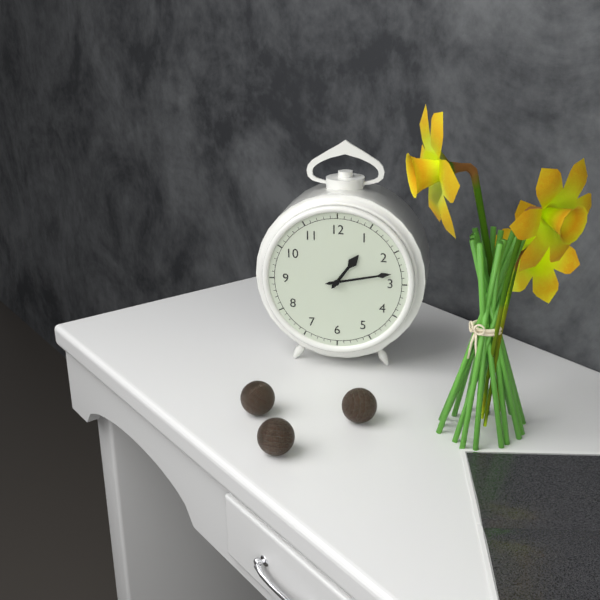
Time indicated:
1h13
